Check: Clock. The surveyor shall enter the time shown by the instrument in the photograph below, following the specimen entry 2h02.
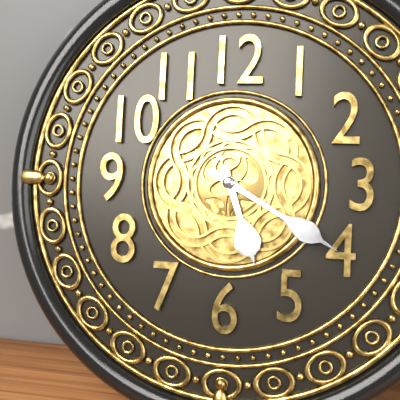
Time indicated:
5h20
